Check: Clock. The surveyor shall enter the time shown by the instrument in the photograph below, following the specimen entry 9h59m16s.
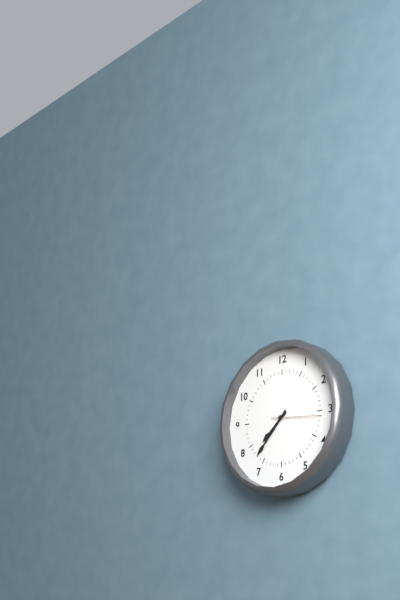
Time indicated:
7h37m16s
